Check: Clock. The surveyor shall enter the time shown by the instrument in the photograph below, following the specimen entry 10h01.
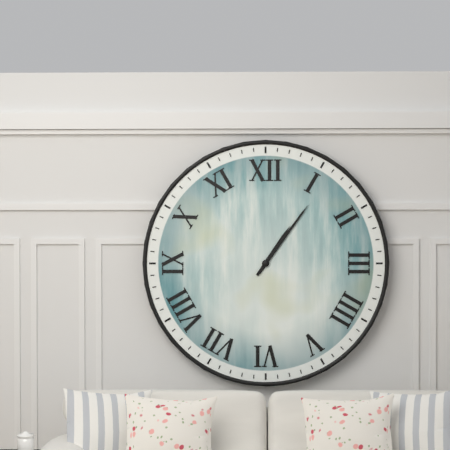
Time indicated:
1h06
